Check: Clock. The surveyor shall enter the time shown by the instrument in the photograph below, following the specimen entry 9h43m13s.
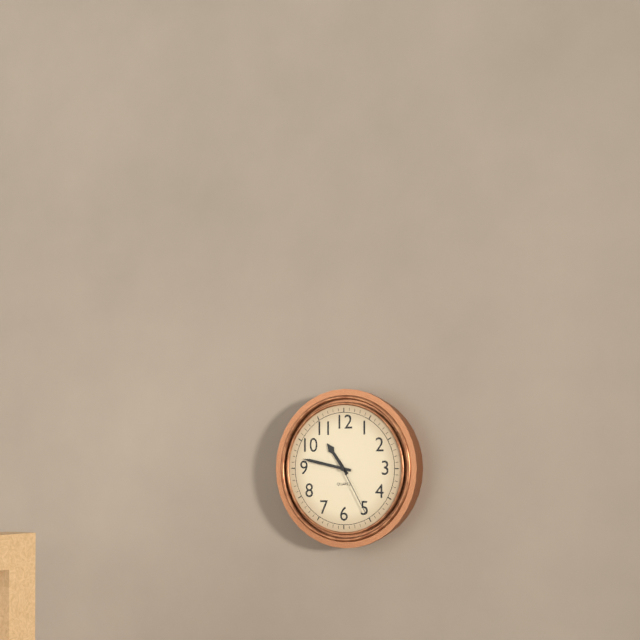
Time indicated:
10h47m25s
